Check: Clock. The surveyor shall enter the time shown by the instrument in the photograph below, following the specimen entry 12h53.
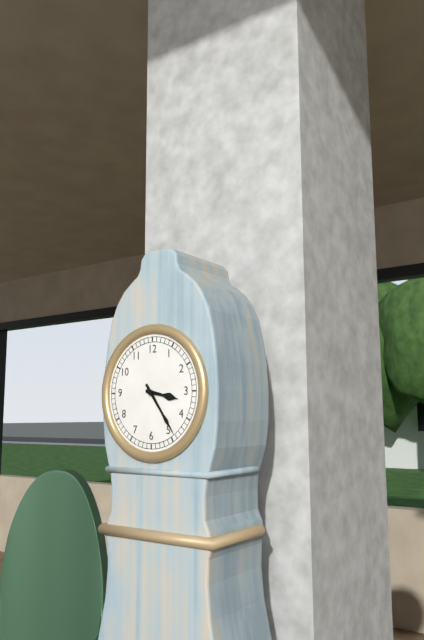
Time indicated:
3h24
